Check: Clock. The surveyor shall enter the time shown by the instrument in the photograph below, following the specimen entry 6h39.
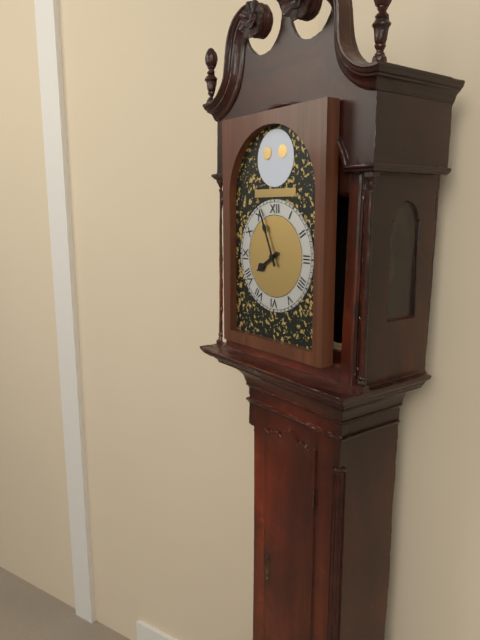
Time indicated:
7h56
